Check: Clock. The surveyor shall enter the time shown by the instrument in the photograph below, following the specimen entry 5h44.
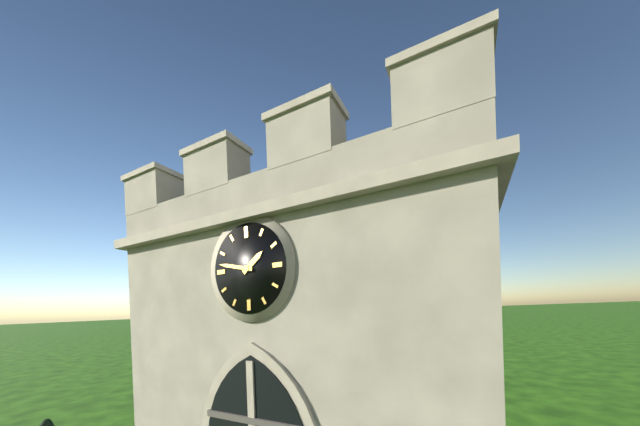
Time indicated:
1h47
